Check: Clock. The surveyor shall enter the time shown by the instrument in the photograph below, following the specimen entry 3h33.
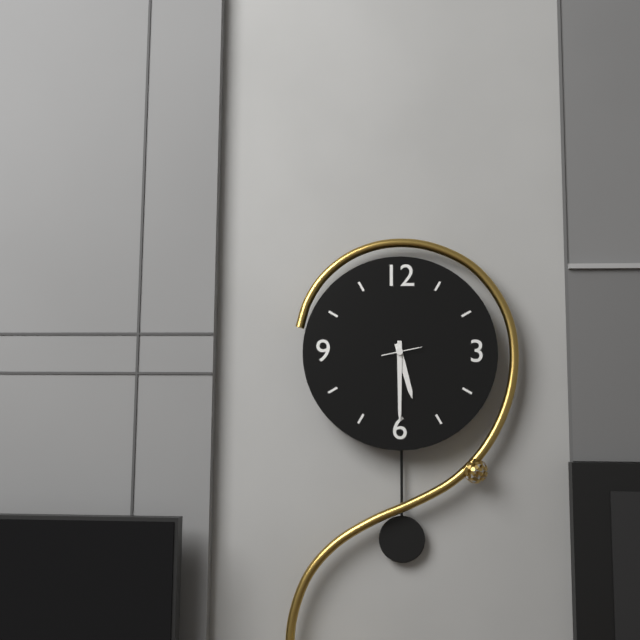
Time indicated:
5h30
